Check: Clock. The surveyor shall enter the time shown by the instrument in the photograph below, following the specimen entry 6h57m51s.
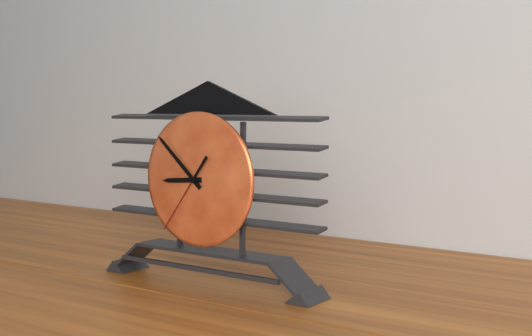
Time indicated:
8h52m36s
